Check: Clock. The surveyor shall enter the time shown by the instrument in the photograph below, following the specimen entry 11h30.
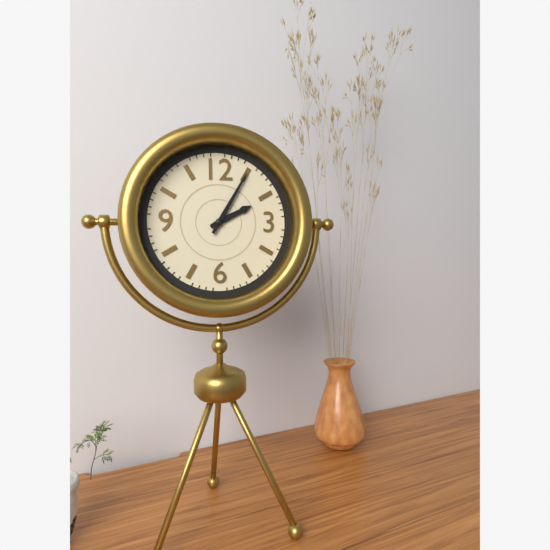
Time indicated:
2h05
